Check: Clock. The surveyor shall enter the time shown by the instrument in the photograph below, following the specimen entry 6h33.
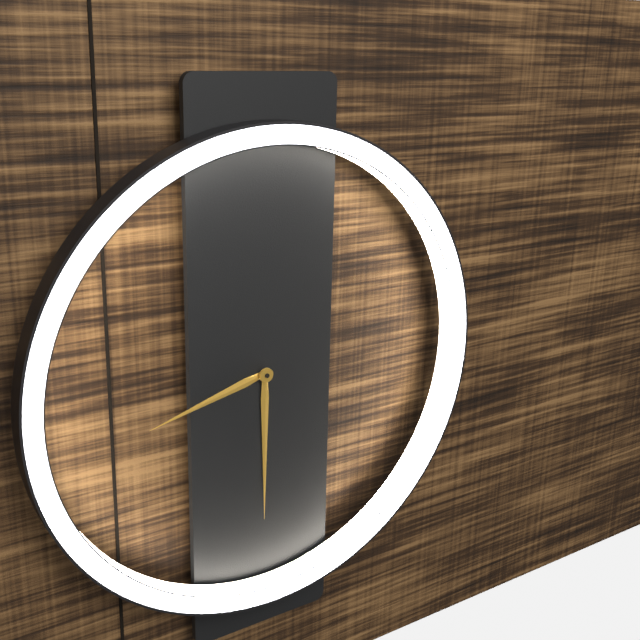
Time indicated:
8h30
